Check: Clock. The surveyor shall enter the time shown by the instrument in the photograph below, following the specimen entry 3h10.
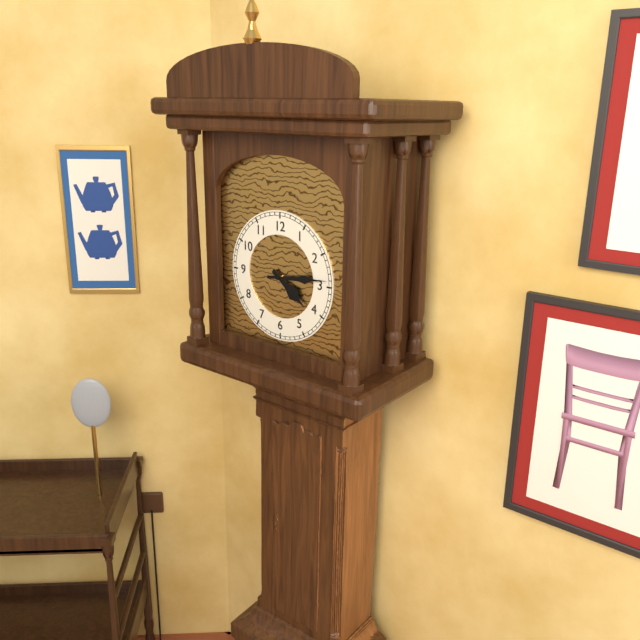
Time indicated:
4h14
